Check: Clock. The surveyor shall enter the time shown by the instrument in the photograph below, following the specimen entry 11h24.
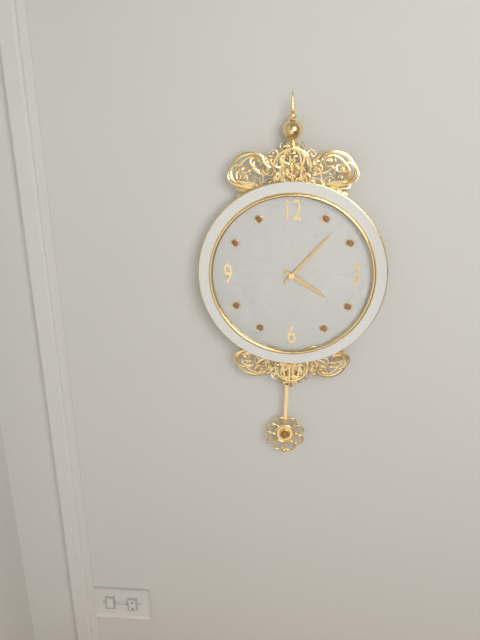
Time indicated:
4h07
